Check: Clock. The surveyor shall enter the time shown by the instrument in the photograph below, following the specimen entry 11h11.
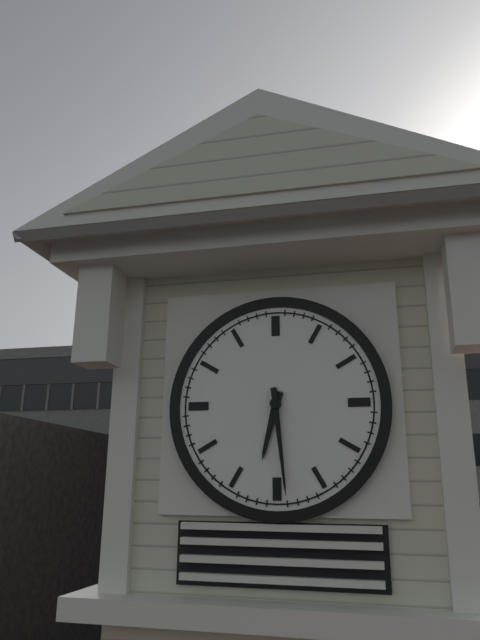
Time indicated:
6h29
